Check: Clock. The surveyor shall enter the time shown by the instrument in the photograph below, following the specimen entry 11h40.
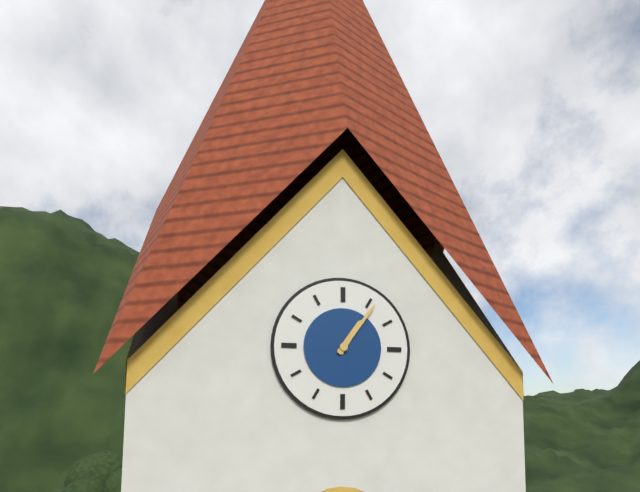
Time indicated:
1h06
